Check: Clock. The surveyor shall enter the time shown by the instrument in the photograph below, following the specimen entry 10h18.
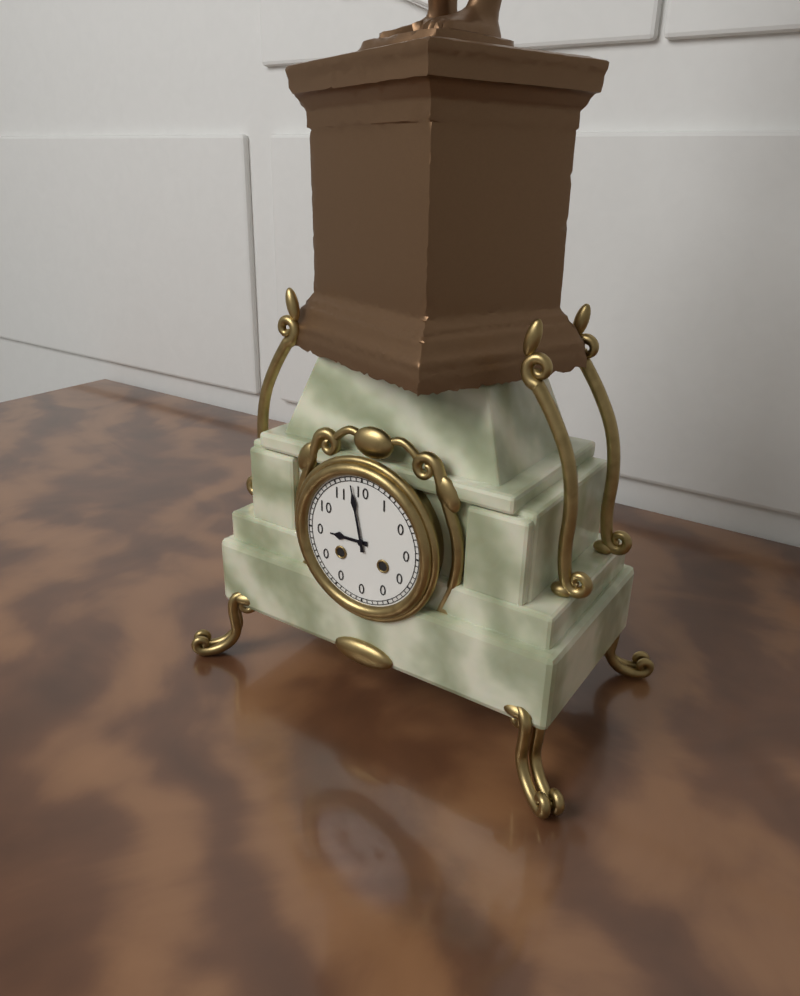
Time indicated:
8h58
